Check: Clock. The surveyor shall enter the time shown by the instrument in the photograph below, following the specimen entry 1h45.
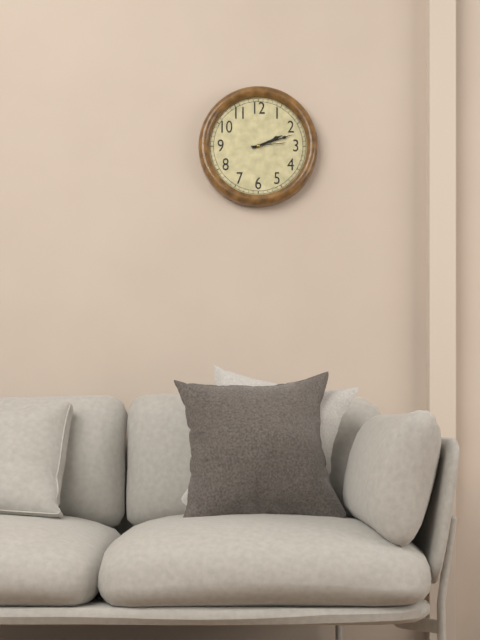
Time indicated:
2h12
